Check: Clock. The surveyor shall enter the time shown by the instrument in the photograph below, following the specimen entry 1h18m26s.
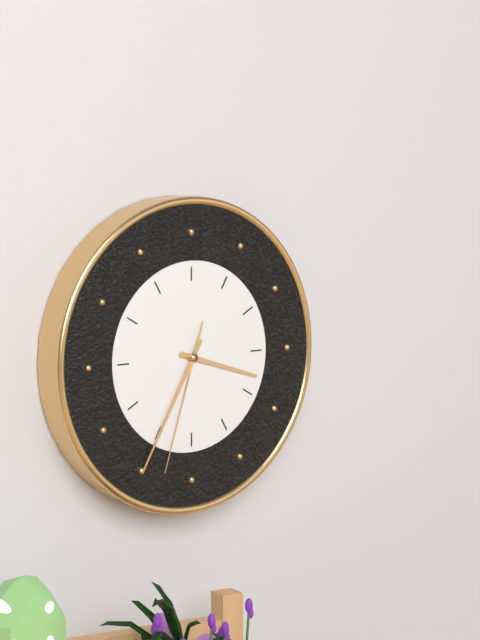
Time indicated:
3h35m33s
